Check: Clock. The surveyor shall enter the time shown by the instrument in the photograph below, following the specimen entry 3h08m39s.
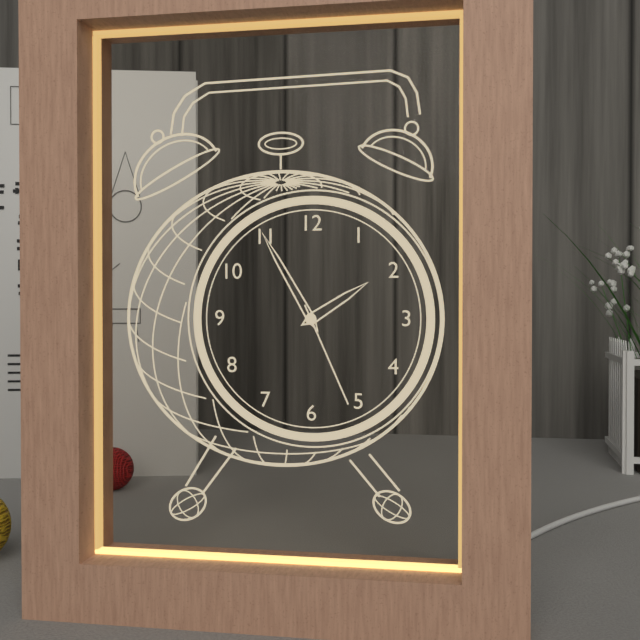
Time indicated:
1h55m26s
